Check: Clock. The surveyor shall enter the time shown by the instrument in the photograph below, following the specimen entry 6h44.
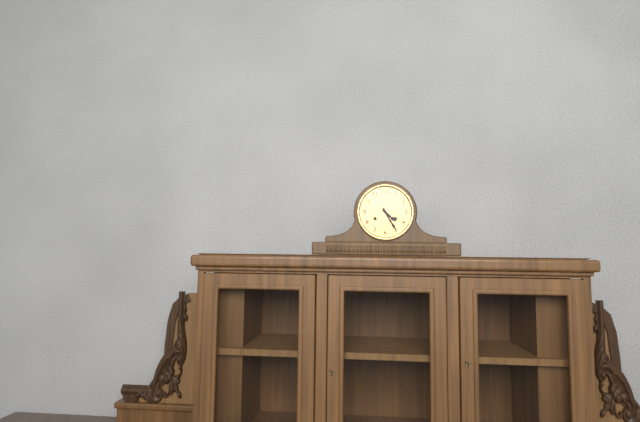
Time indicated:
4h25
